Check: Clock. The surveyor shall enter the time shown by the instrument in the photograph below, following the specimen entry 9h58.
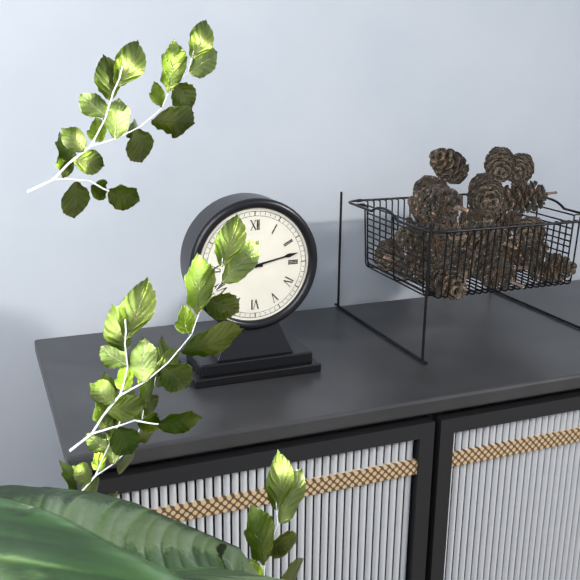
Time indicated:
9h13
